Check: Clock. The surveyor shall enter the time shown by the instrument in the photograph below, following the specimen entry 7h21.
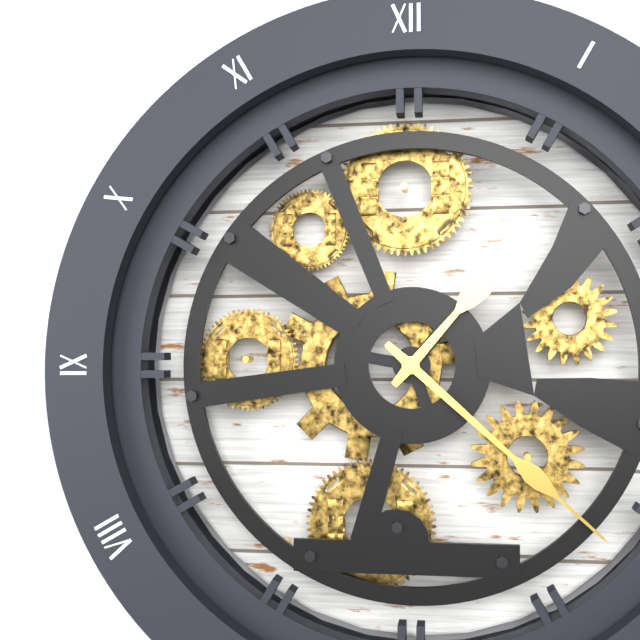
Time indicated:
1h22
